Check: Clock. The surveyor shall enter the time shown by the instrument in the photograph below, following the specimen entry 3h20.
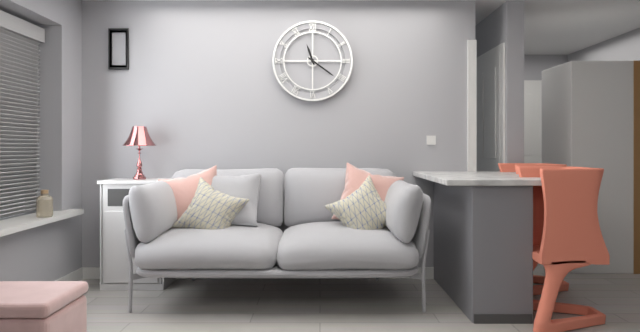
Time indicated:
11h21
